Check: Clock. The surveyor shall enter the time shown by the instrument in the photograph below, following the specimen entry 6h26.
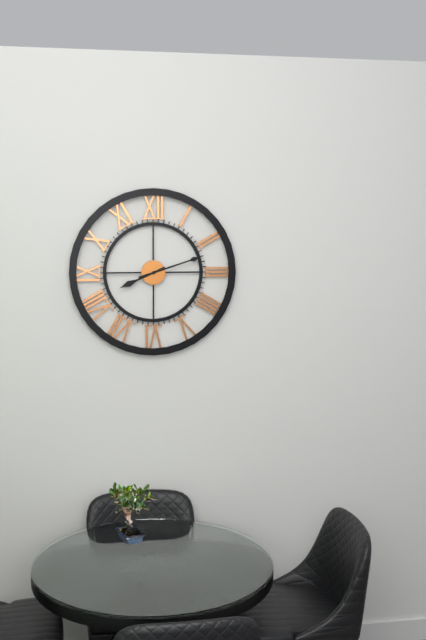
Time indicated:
8h12
